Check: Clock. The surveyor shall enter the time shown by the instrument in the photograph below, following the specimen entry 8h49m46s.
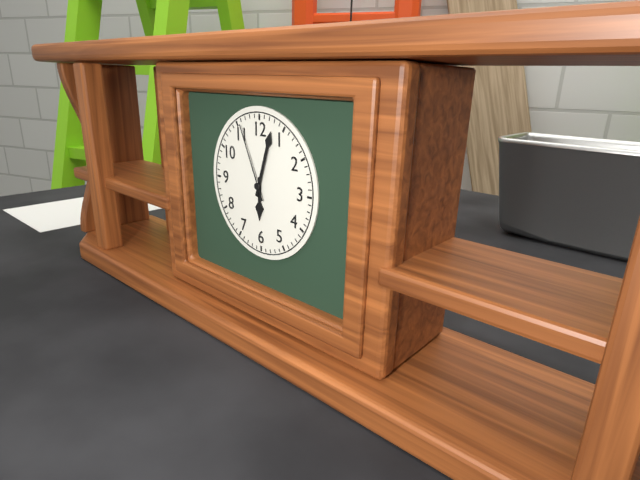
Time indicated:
6h03m56s
